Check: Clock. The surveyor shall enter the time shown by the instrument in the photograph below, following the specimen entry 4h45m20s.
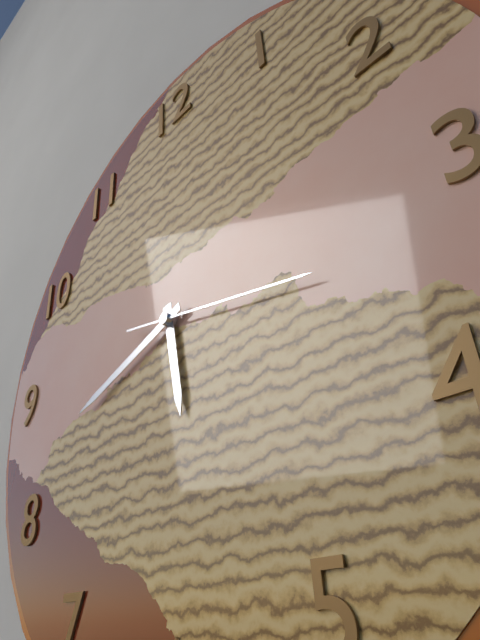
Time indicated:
5h42m17s
